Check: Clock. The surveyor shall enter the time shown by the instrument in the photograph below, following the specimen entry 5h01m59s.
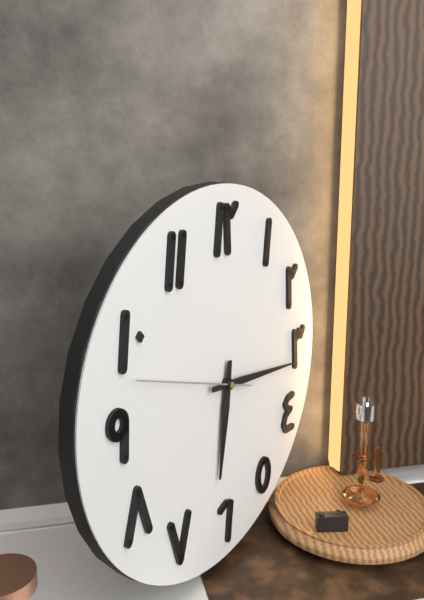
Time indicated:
6h16m48s
